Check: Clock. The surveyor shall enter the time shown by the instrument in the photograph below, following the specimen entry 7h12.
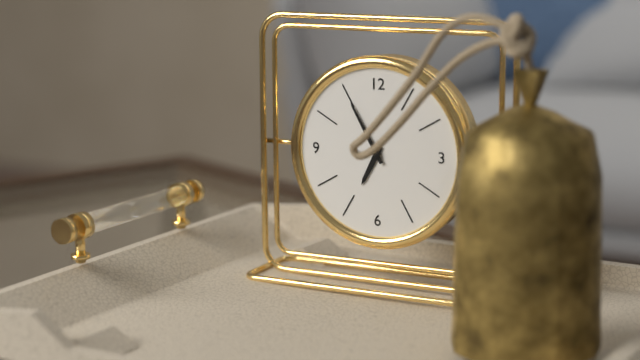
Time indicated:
6h55
